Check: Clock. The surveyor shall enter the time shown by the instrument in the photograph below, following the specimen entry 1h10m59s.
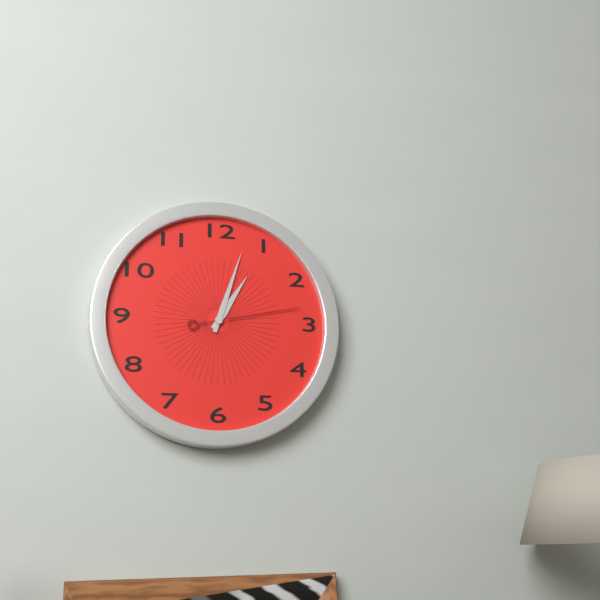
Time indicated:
1h03m13s
